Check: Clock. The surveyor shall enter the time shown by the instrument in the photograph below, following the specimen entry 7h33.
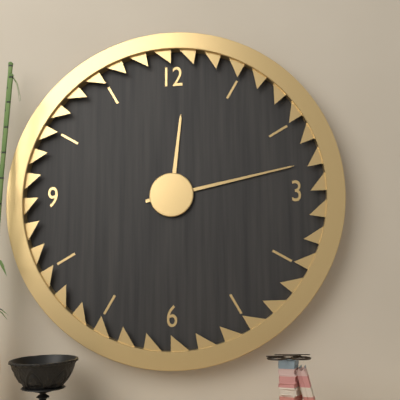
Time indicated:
12h13
